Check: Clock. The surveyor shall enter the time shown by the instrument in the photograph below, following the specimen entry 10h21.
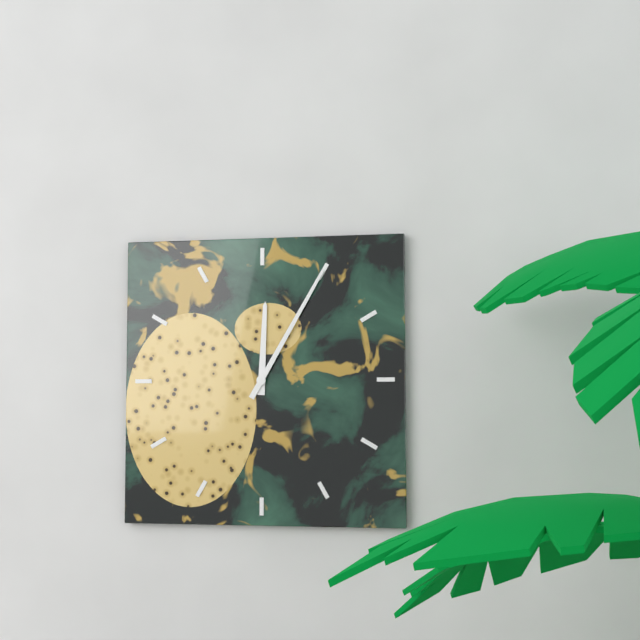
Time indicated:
12h05
